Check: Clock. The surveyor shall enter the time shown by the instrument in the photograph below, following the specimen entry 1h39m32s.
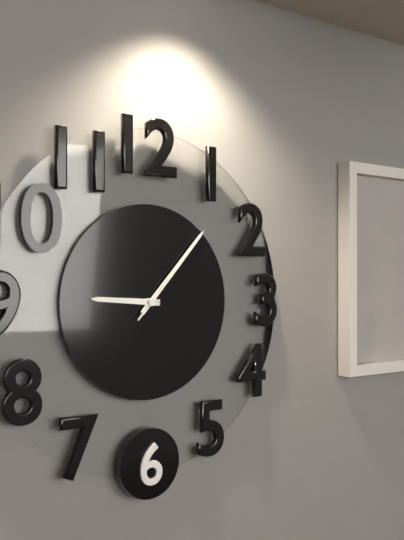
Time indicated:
9h07m07s
